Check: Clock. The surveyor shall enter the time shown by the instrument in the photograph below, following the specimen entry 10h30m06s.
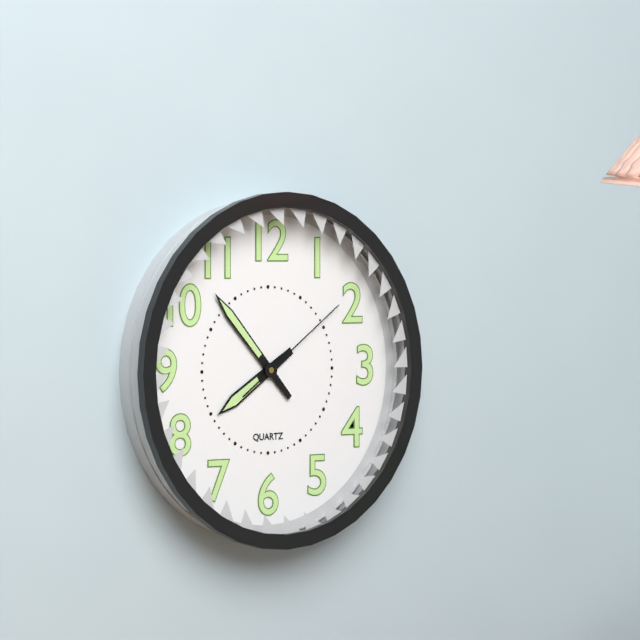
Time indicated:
7h53m09s
